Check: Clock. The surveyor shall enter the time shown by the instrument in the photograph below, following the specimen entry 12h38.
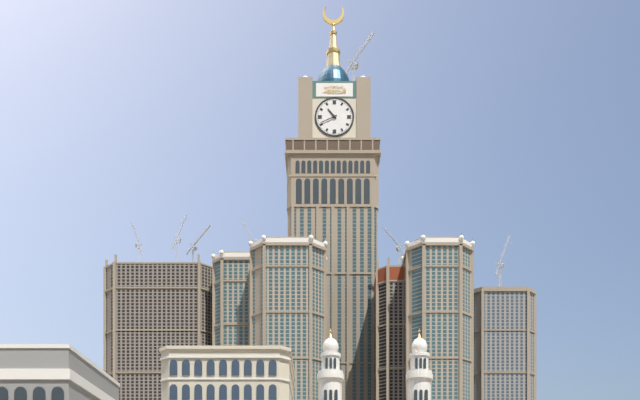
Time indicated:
10h41
